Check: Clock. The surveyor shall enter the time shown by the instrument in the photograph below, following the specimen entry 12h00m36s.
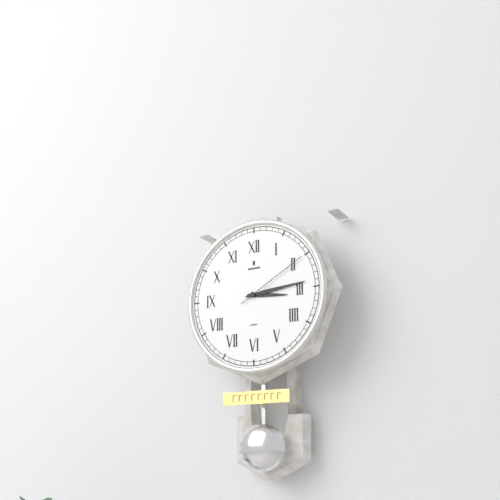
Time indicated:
3h14m10s
